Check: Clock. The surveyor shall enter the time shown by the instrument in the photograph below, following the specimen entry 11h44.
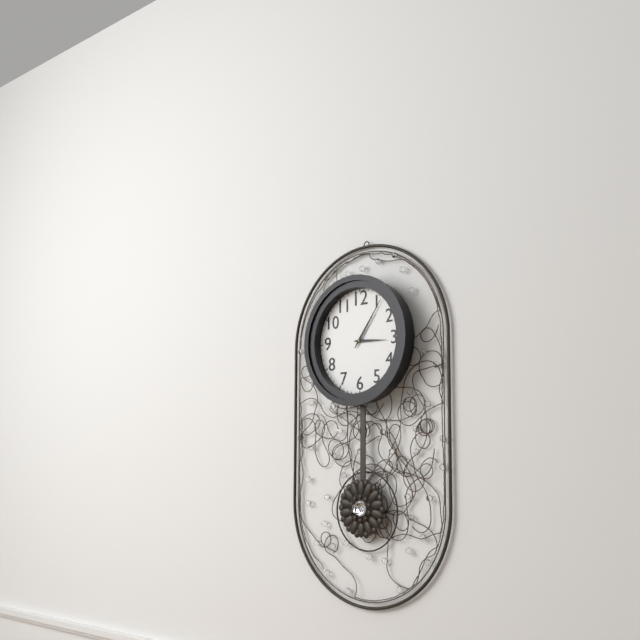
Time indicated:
3h06
